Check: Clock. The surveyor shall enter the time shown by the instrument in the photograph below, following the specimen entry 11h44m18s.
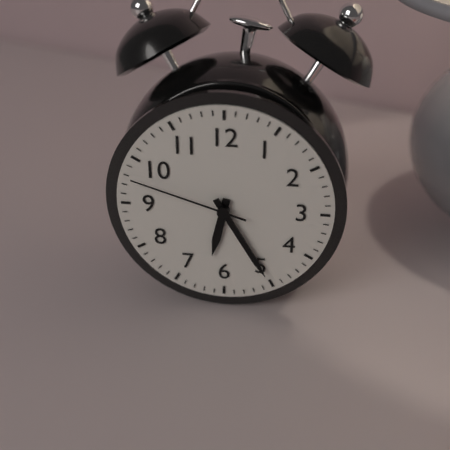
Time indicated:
6h25m48s
